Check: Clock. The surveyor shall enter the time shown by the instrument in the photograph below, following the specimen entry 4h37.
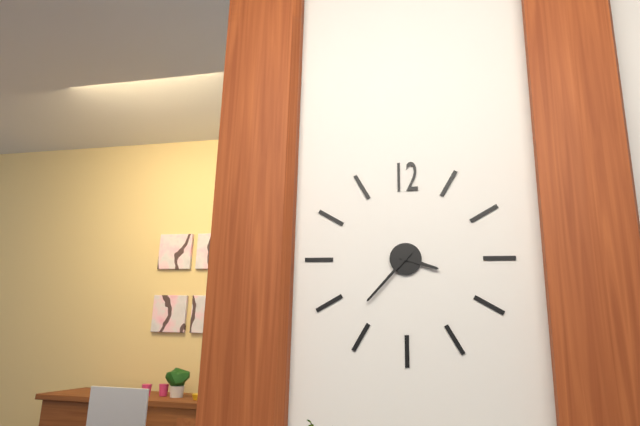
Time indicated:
3h37
